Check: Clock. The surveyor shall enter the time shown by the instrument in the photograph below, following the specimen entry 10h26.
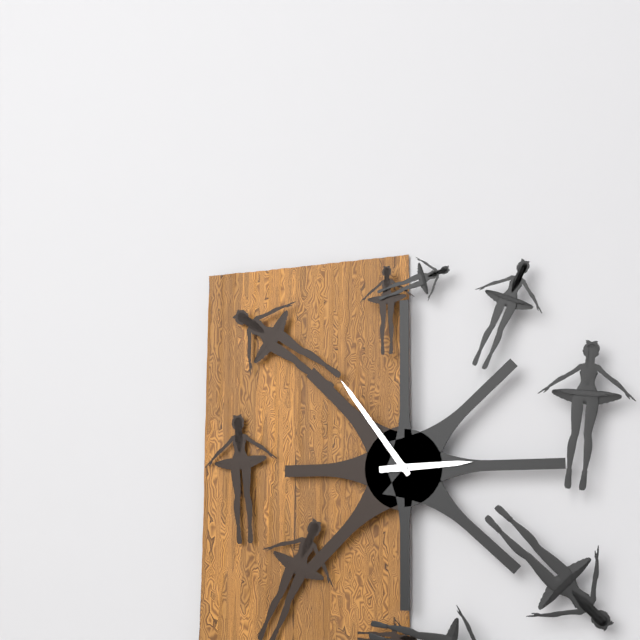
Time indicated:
2h54
